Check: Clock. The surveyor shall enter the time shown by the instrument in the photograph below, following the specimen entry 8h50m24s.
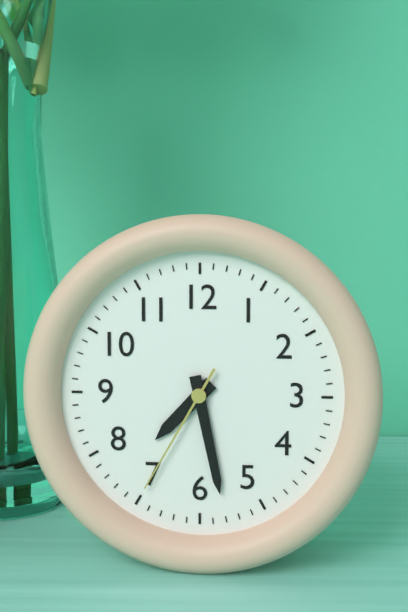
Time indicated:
7h28m35s
